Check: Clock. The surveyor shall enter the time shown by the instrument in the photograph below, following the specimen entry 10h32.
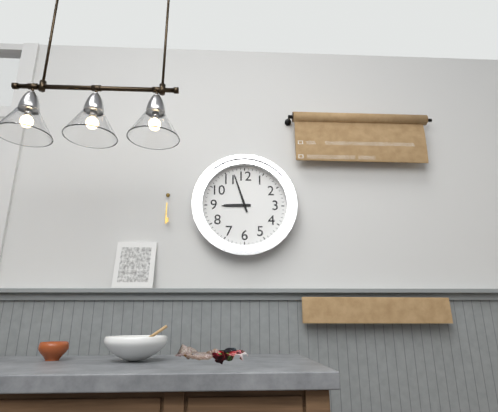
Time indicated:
8h57
